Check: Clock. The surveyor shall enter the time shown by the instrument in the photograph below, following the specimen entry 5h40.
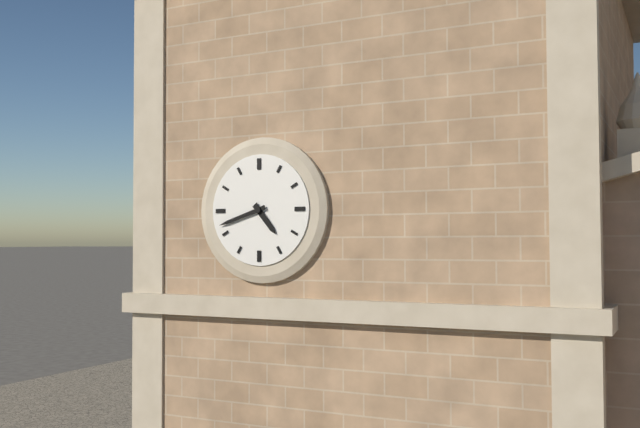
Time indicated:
4h42
